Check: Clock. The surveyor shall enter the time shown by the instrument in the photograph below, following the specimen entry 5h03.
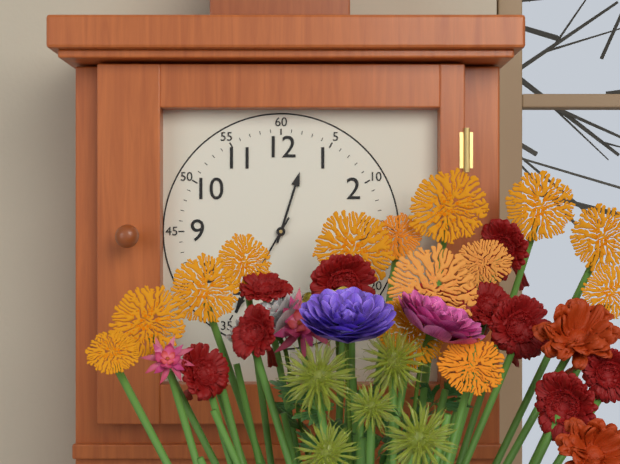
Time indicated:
12h35
